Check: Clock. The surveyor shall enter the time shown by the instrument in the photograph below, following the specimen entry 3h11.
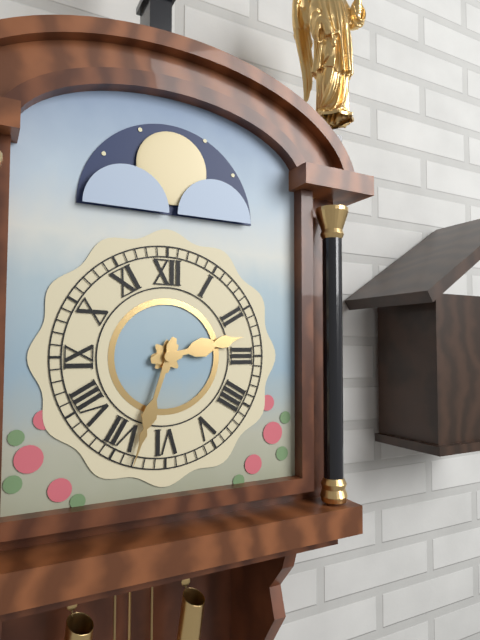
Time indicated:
2h33
